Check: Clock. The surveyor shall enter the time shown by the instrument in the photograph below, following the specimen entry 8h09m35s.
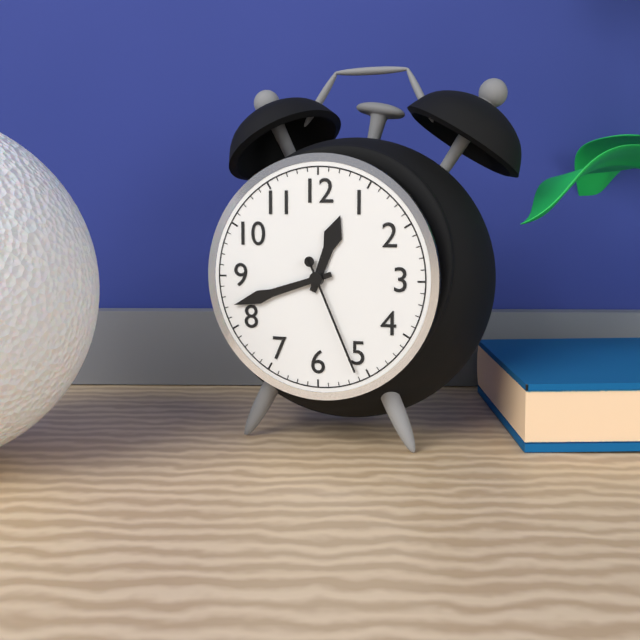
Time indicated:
12h42m26s
